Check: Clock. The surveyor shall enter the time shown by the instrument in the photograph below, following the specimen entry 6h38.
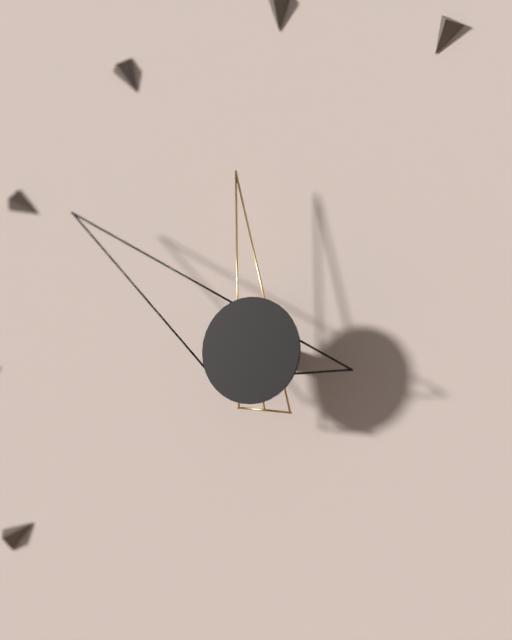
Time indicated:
11h51
